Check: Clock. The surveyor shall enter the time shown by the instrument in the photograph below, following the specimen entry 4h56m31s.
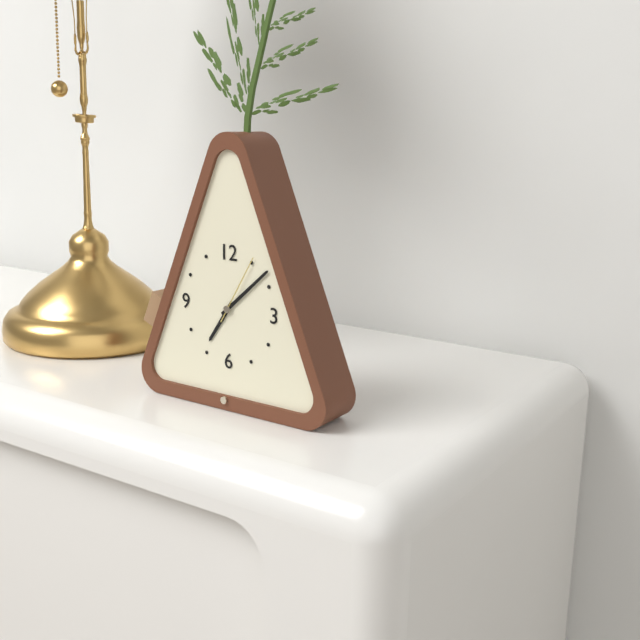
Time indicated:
7h08m05s
